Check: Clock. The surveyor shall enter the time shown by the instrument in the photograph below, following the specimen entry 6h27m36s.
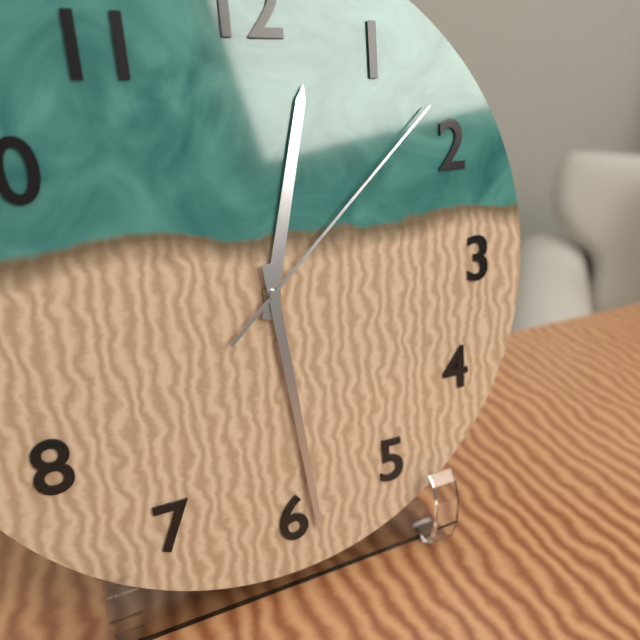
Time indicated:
12h29m08s
